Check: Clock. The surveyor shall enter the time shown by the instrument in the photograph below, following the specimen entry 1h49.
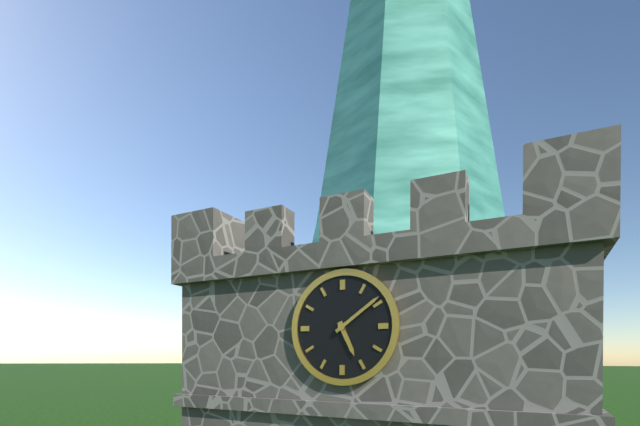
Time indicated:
5h09
